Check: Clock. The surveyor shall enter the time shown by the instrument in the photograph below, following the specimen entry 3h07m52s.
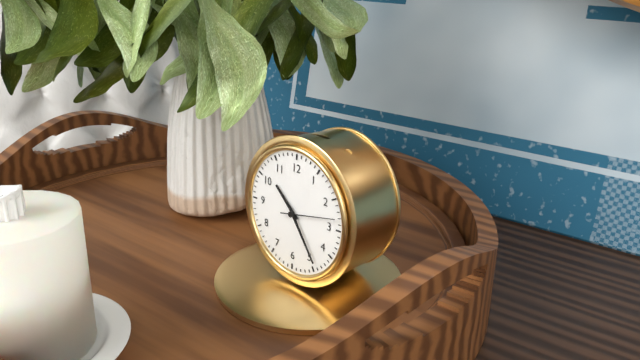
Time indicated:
10h24m13s
